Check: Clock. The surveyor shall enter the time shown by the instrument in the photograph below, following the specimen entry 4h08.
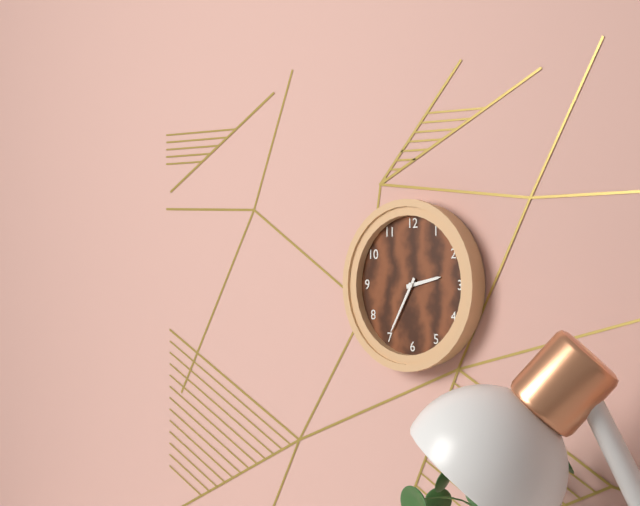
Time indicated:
2h35
